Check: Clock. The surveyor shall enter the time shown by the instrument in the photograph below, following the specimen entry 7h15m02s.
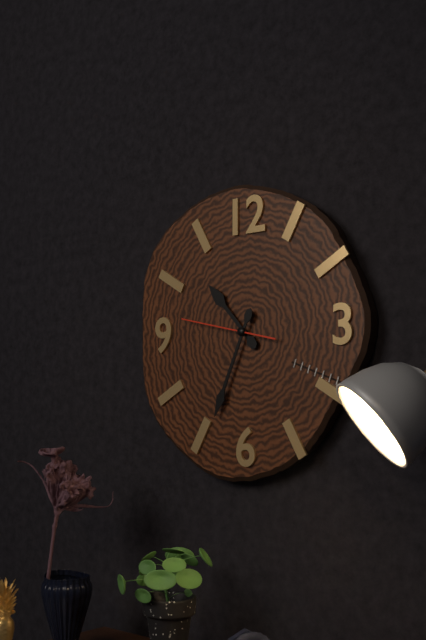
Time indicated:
10h34m47s
